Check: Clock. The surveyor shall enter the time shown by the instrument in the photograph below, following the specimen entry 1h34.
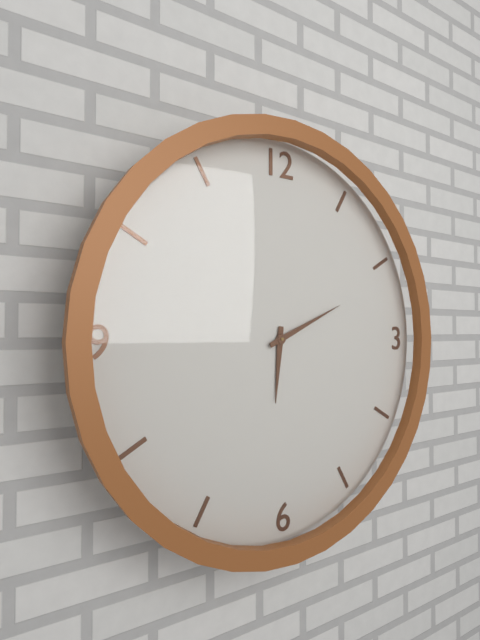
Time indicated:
6h11
